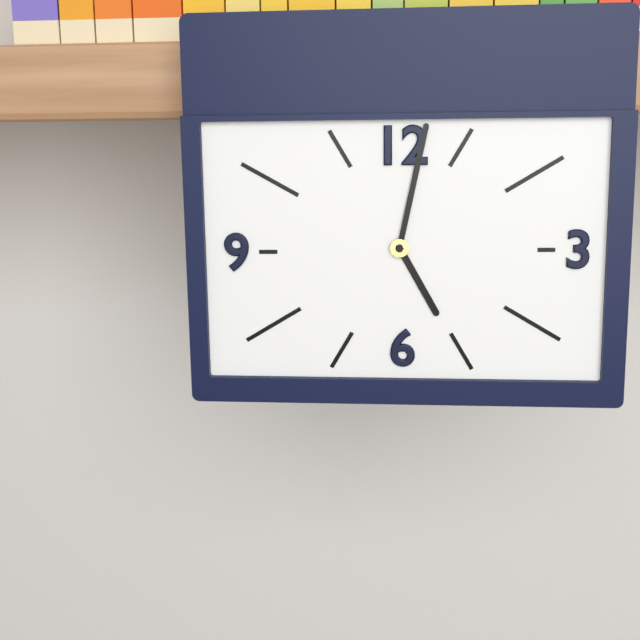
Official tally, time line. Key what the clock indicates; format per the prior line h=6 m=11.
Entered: h=5 m=2
